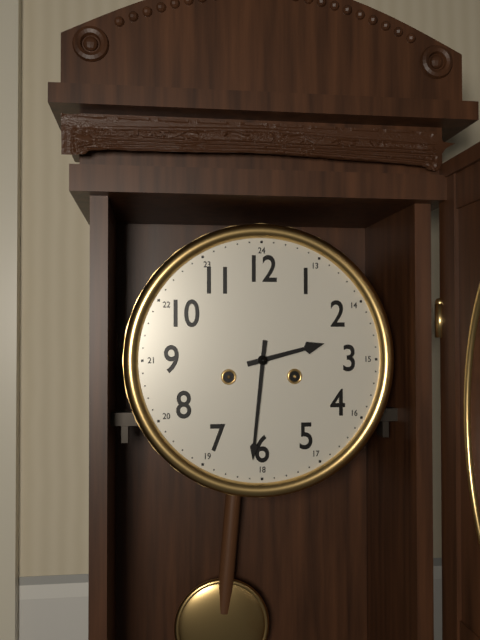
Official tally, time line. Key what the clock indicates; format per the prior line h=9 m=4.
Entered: h=2 m=31
